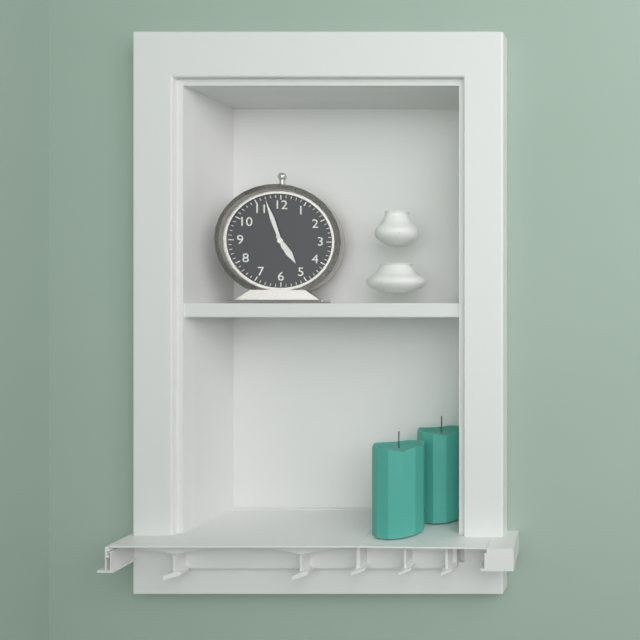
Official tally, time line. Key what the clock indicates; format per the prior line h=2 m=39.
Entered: h=4 m=57
